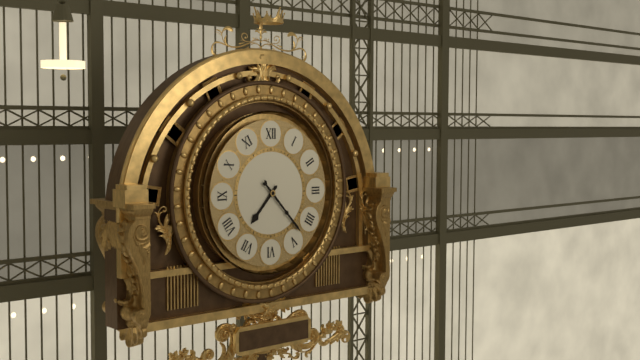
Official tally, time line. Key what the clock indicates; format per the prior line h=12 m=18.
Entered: h=7 m=23
